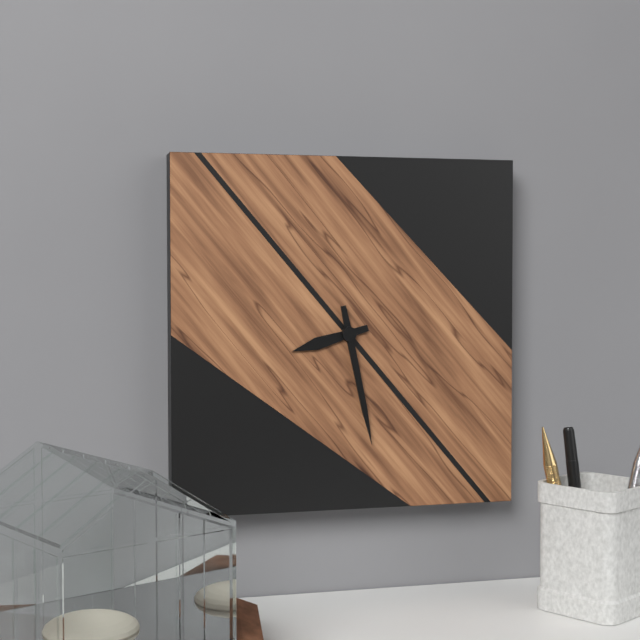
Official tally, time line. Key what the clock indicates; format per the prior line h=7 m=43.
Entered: h=8 m=28
